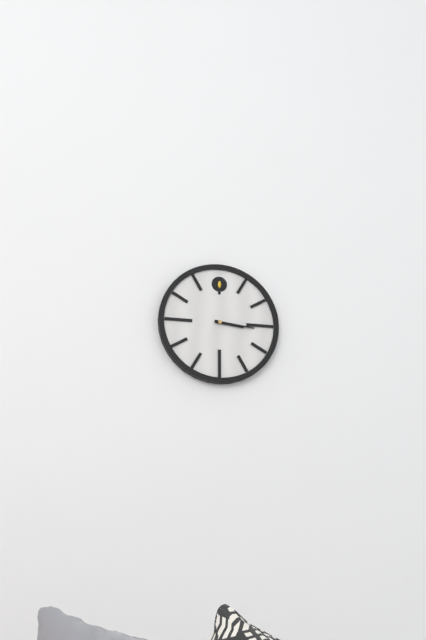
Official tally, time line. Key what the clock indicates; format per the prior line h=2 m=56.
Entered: h=3 m=16
